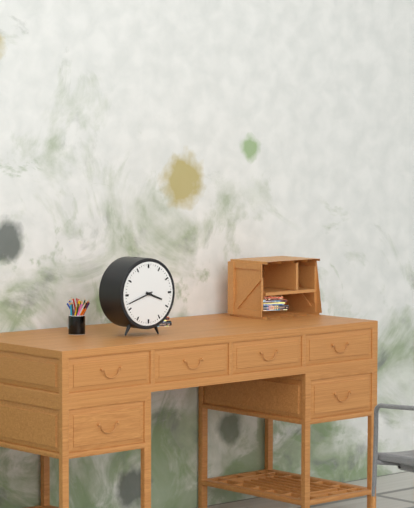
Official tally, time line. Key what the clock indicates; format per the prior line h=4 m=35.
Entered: h=3 m=42
